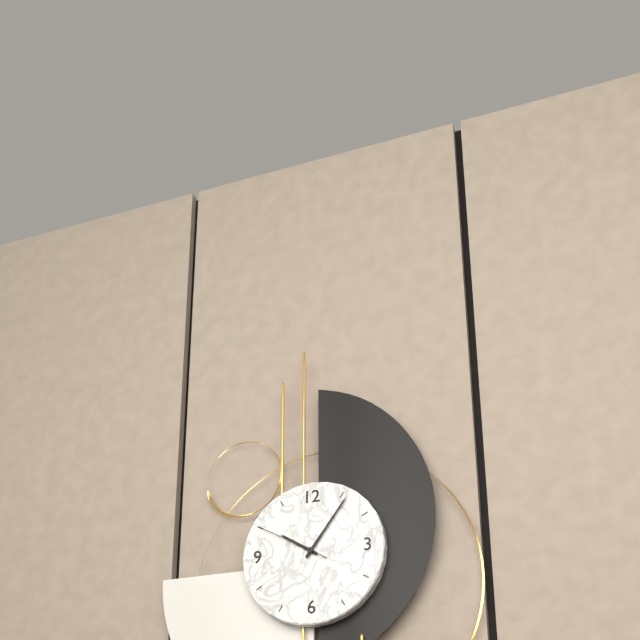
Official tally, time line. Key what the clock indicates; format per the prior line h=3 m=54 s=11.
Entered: h=10 m=6 s=50
